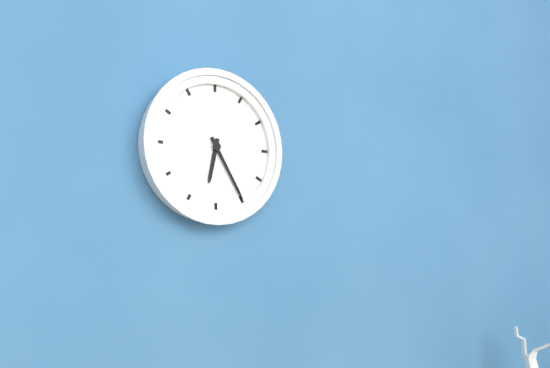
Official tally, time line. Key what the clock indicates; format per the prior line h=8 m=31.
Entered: h=6 m=25
